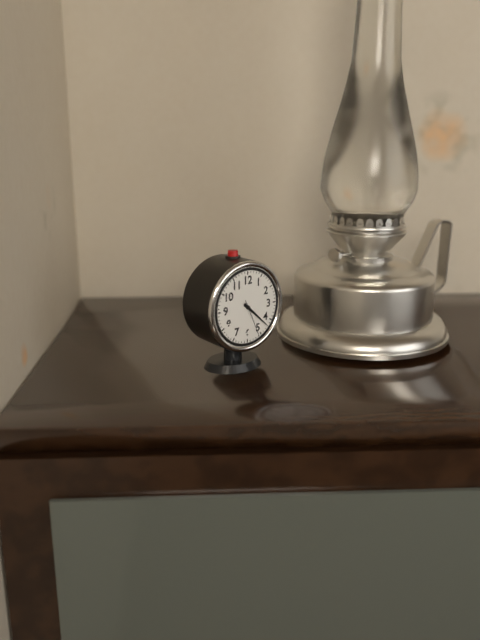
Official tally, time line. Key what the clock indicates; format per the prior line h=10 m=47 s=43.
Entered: h=4 m=22 s=26
